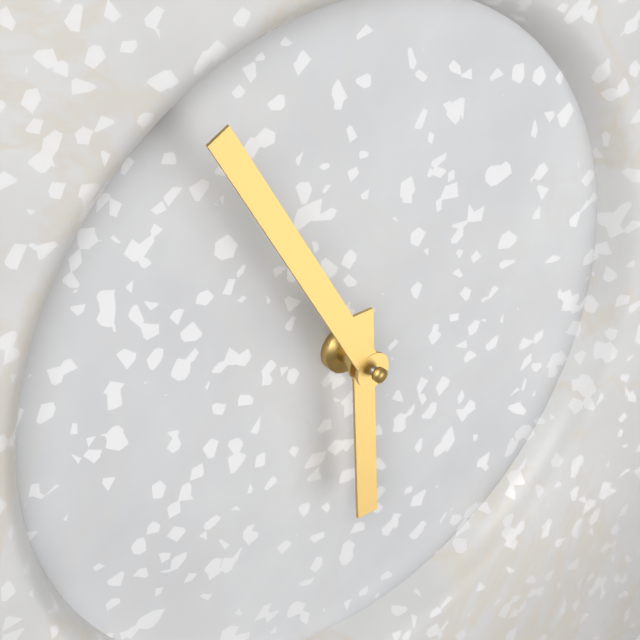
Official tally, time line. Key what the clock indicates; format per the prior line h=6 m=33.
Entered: h=5 m=55
